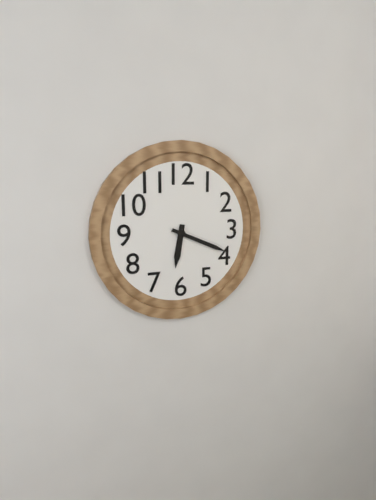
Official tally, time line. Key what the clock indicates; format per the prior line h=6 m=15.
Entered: h=6 m=19
